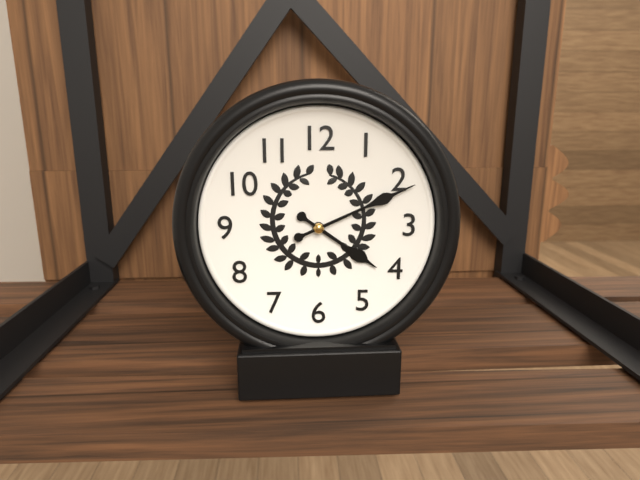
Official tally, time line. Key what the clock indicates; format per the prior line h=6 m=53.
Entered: h=4 m=11
